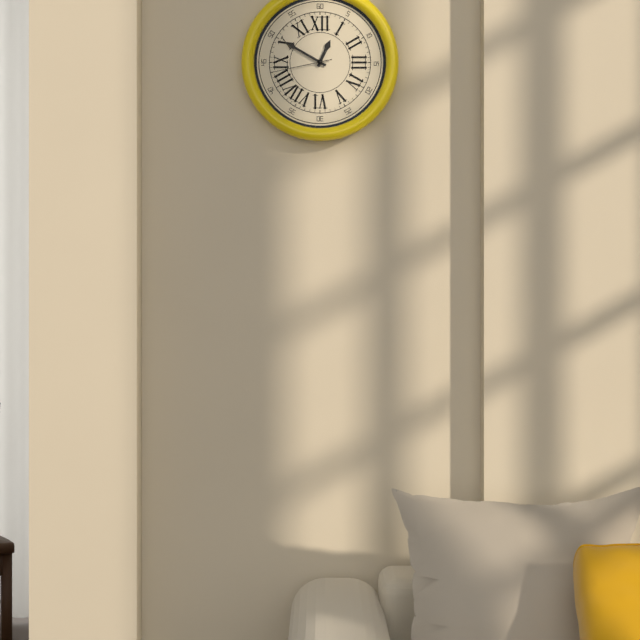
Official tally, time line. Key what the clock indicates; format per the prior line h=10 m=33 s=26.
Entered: h=12 m=50 s=43
